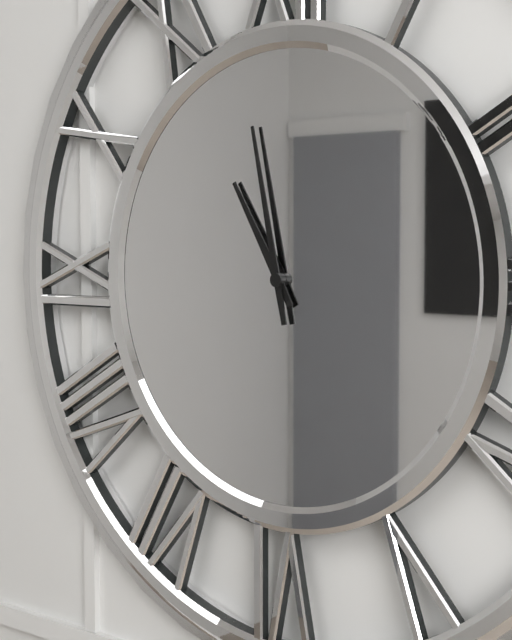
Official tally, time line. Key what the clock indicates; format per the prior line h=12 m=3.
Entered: h=10 m=58
